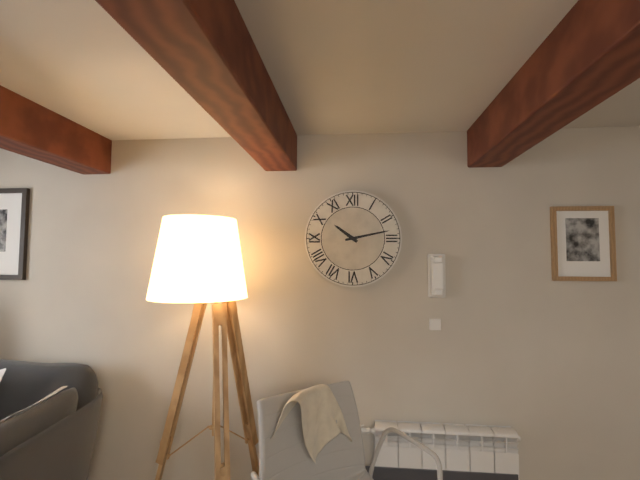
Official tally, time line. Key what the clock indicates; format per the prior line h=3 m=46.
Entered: h=10 m=13
